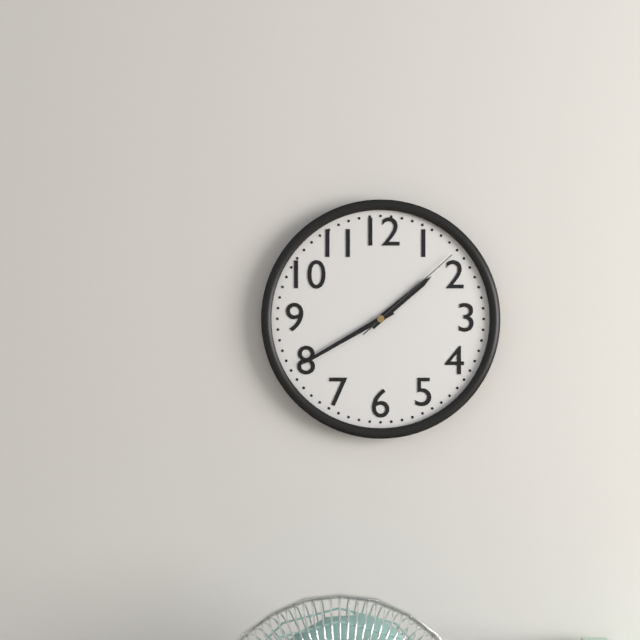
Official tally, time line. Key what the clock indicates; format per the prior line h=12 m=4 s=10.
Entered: h=1 m=40 s=8
